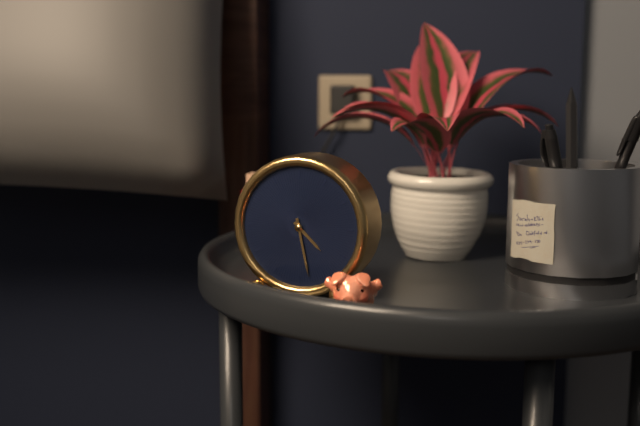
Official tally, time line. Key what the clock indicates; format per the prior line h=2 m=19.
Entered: h=4 m=28
